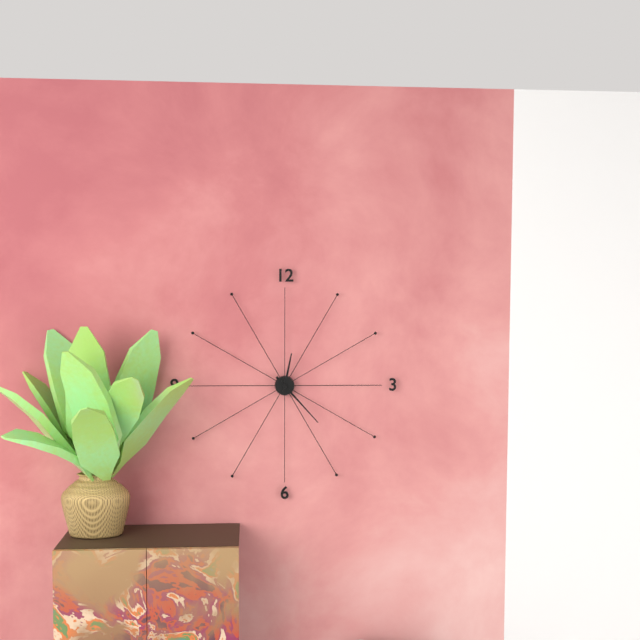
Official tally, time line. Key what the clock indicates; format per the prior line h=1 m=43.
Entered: h=12 m=23
